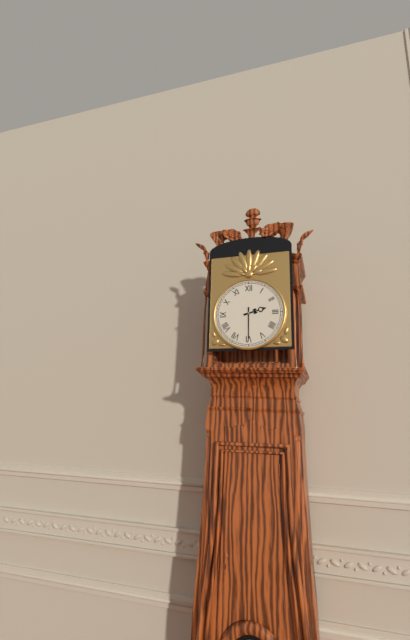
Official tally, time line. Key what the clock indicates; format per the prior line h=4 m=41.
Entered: h=2 m=30
